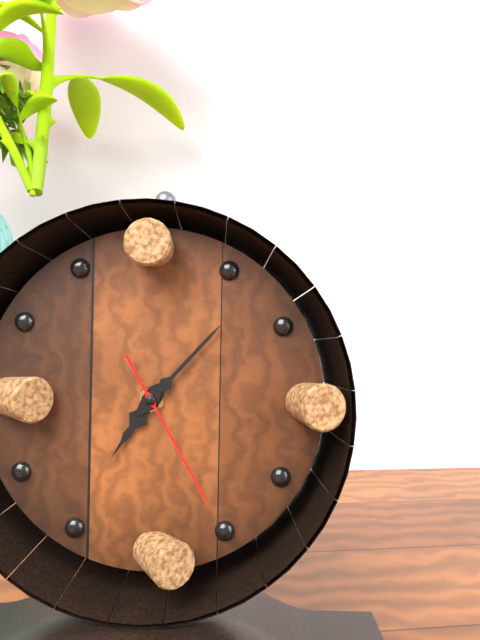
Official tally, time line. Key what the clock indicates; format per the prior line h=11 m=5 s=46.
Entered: h=7 m=7 s=25
